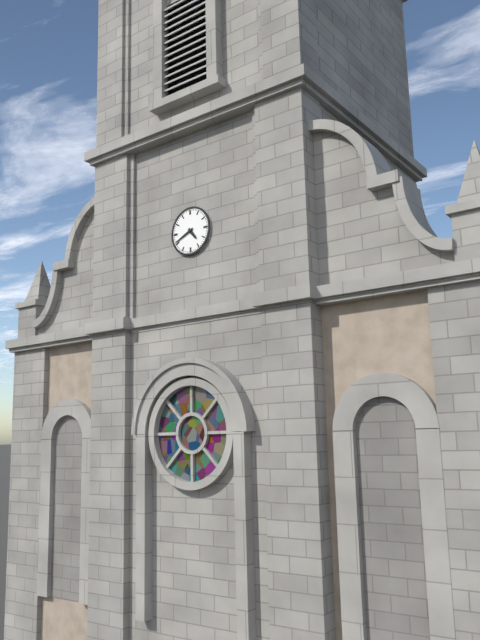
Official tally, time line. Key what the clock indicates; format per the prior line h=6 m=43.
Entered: h=4 m=41
